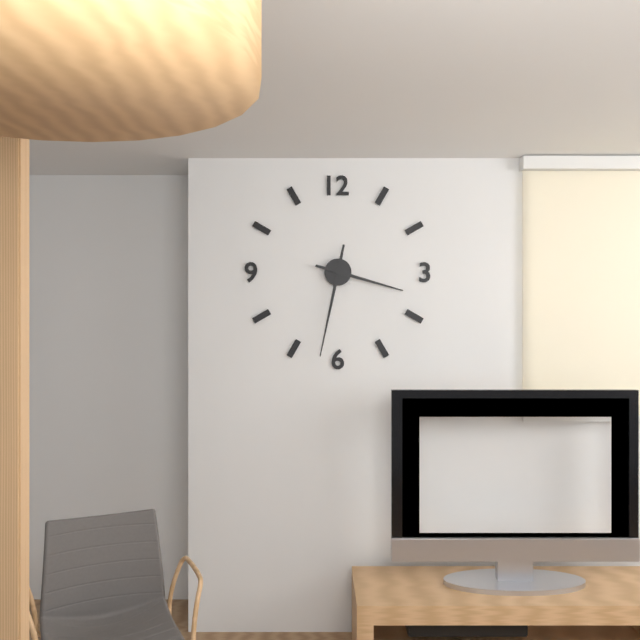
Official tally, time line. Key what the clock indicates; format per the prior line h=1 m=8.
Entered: h=3 m=32
